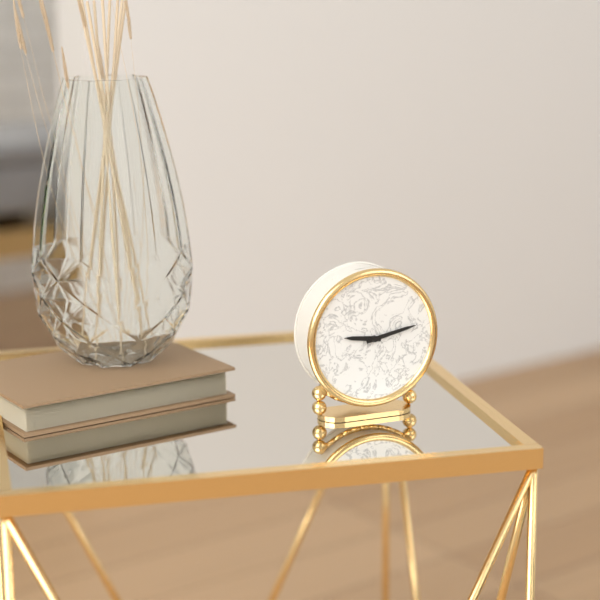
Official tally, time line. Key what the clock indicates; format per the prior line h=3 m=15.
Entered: h=9 m=13
